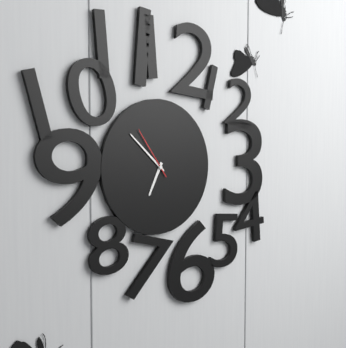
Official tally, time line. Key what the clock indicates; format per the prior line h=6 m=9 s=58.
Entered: h=6 m=52 s=54
